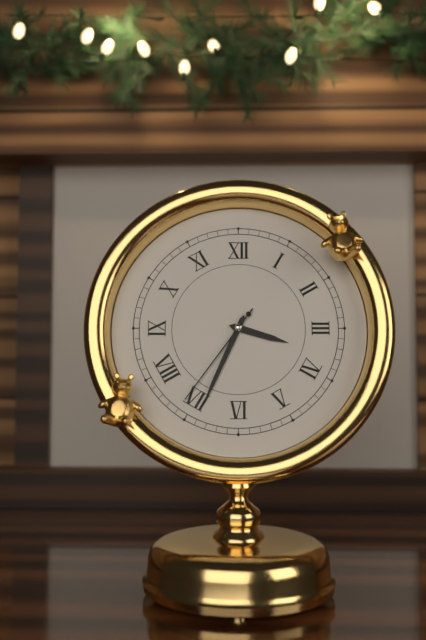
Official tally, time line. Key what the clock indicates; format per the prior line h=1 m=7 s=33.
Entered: h=3 m=34 s=36
